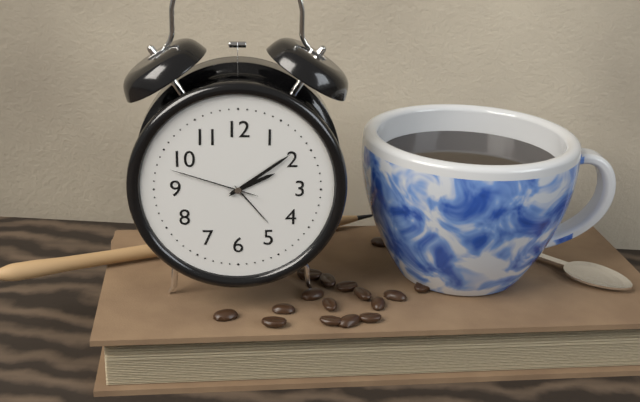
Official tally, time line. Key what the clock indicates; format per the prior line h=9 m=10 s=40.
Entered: h=2 m=9 s=48
